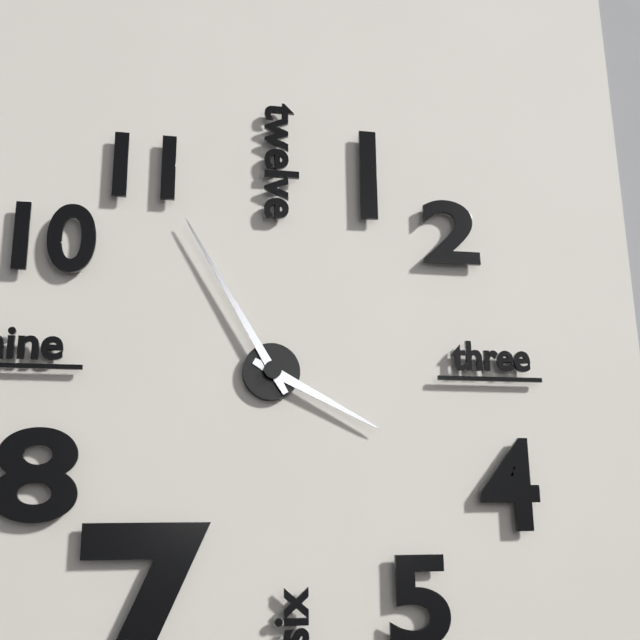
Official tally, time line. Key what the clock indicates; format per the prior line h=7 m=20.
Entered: h=3 m=55
